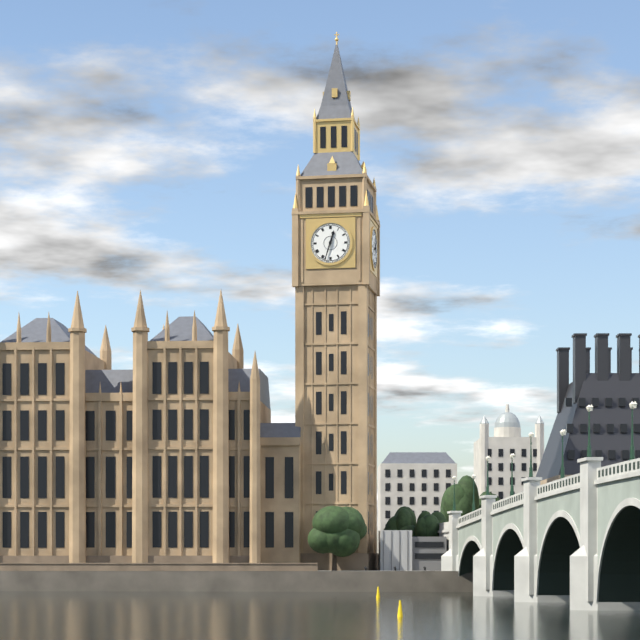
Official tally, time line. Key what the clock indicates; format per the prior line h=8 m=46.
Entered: h=12 m=33
